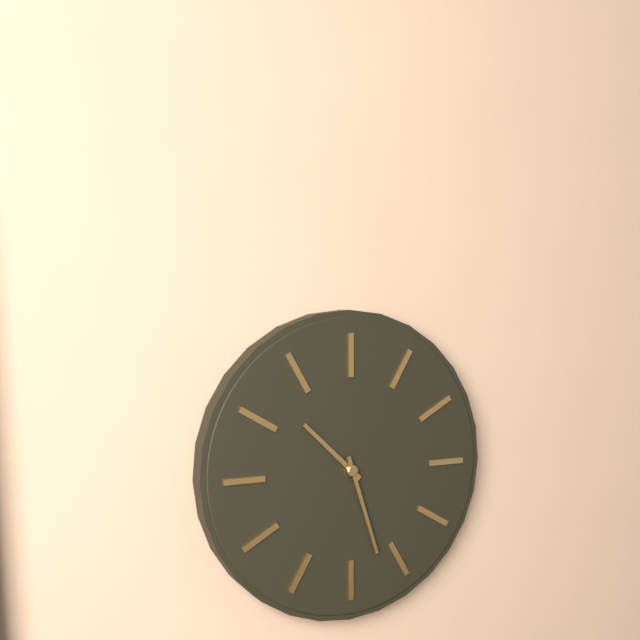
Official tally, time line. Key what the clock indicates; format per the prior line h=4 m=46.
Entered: h=10 m=27
